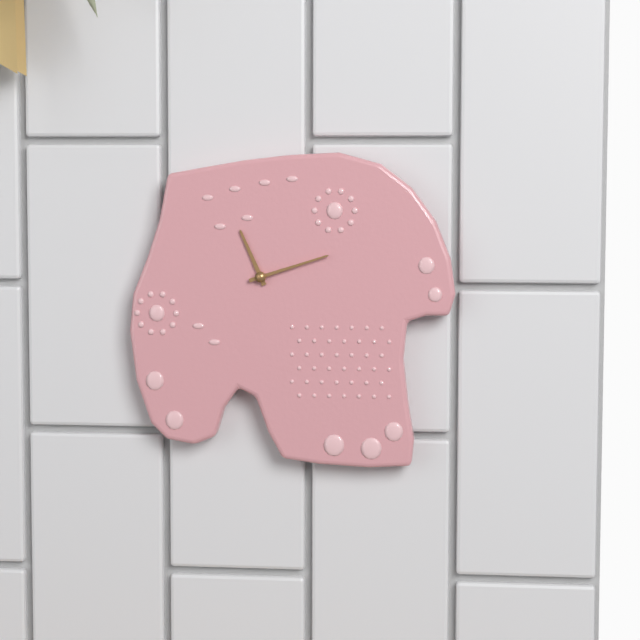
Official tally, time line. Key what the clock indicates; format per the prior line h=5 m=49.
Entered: h=11 m=12
